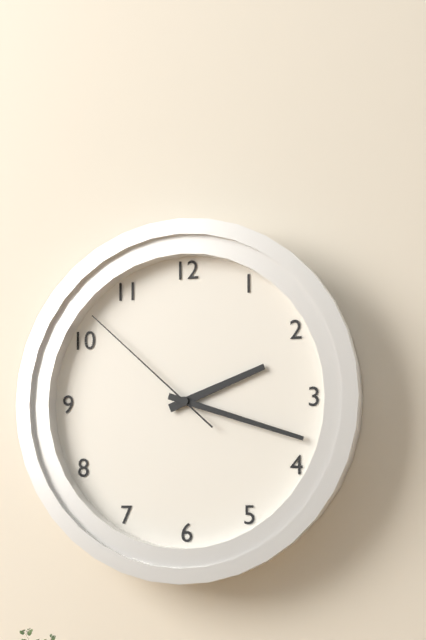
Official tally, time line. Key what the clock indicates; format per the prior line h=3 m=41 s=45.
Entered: h=2 m=18 s=52
